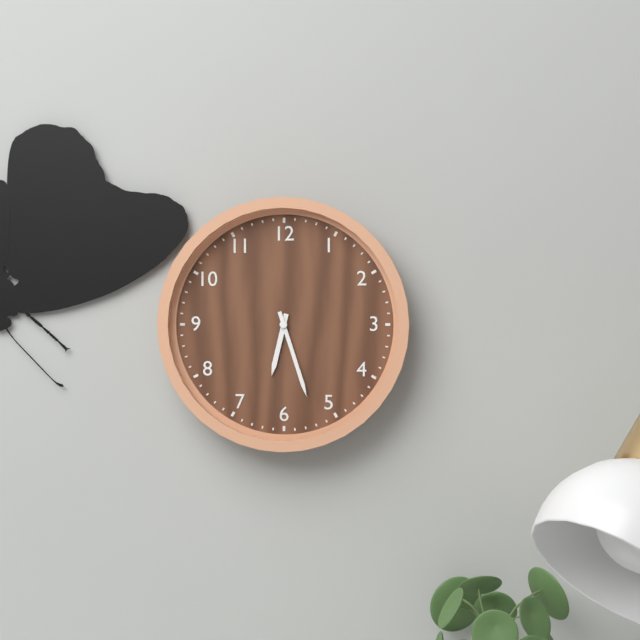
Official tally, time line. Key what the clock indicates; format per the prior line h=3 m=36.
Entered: h=6 m=27
